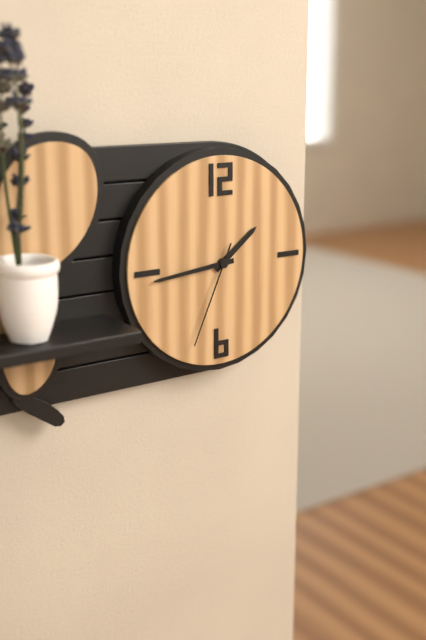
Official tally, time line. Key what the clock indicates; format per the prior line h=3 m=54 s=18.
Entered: h=1 m=44 s=34
